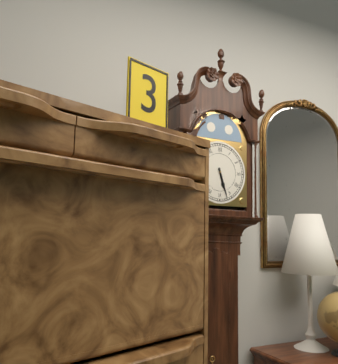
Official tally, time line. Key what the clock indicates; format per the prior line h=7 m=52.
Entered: h=5 m=27
